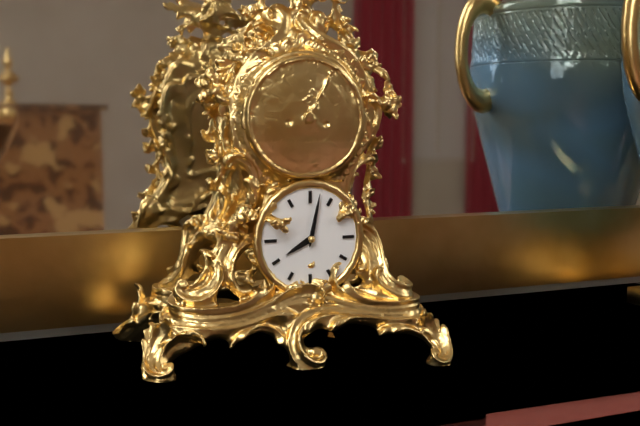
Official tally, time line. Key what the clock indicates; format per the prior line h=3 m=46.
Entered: h=8 m=2
